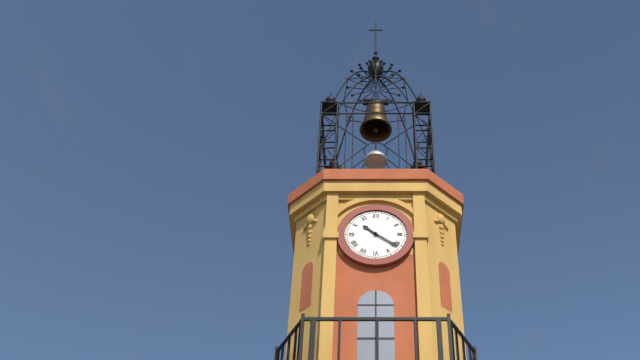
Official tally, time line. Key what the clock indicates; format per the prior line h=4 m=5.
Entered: h=10 m=21
